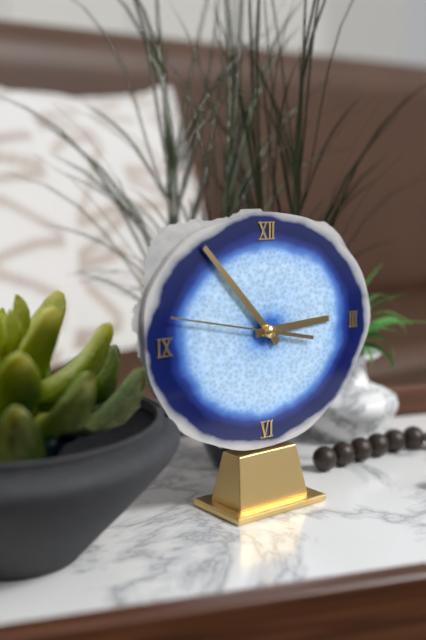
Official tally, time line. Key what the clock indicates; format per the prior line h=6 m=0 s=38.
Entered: h=2 m=53 s=47
